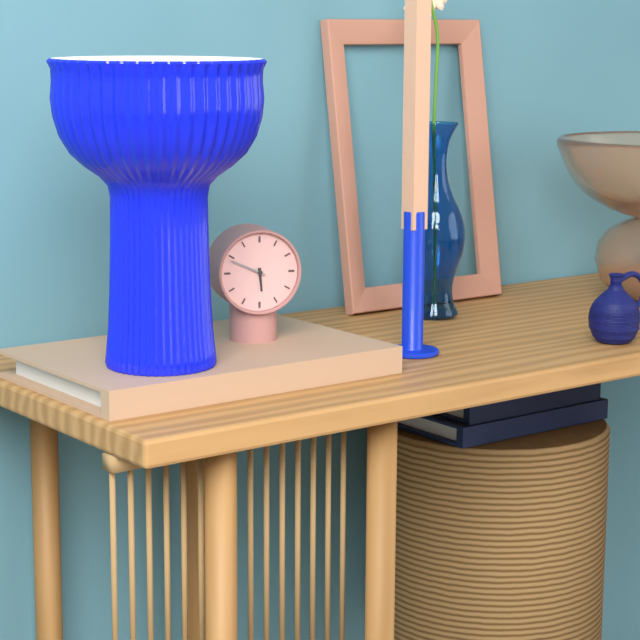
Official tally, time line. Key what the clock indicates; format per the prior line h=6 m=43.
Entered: h=5 m=49
